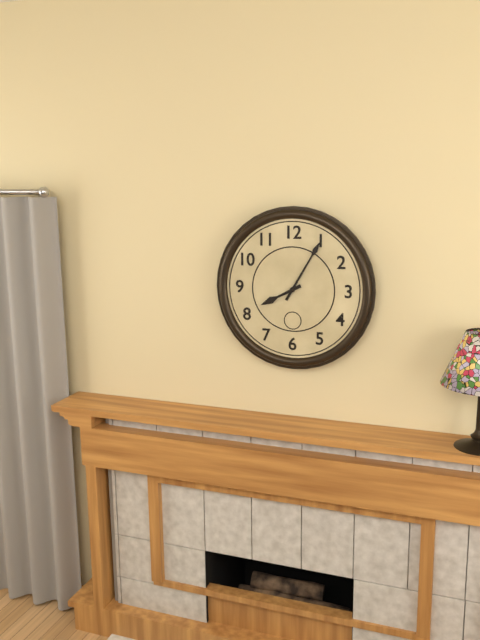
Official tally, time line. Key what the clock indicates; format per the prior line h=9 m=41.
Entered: h=8 m=5
